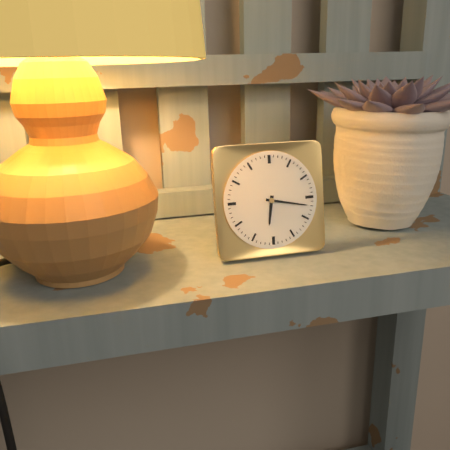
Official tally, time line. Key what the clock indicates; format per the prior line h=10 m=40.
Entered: h=6 m=17
